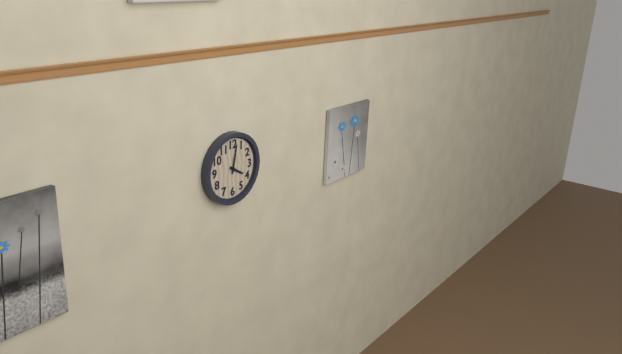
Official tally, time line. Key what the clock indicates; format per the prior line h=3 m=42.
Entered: h=4 m=2
